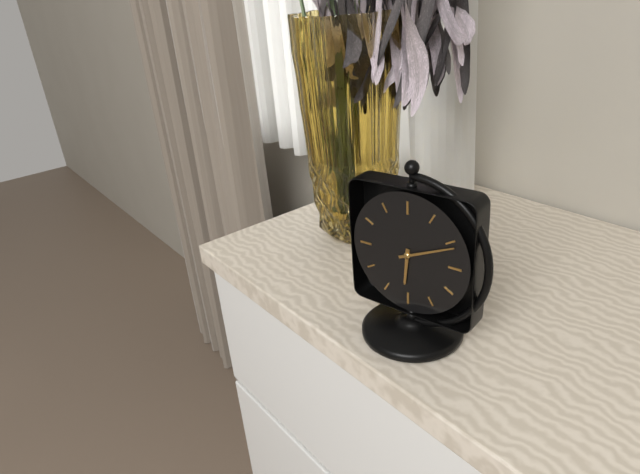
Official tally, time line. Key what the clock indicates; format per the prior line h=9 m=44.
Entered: h=6 m=11
